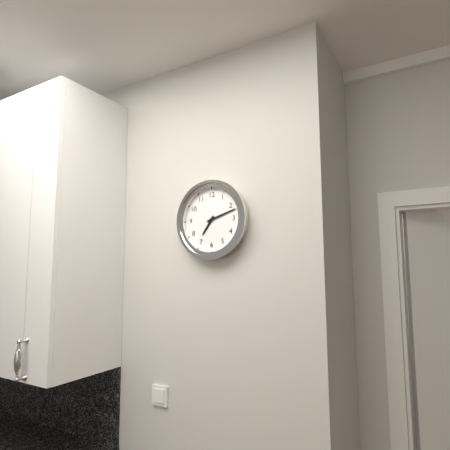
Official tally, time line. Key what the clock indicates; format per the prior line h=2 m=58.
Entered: h=7 m=12
